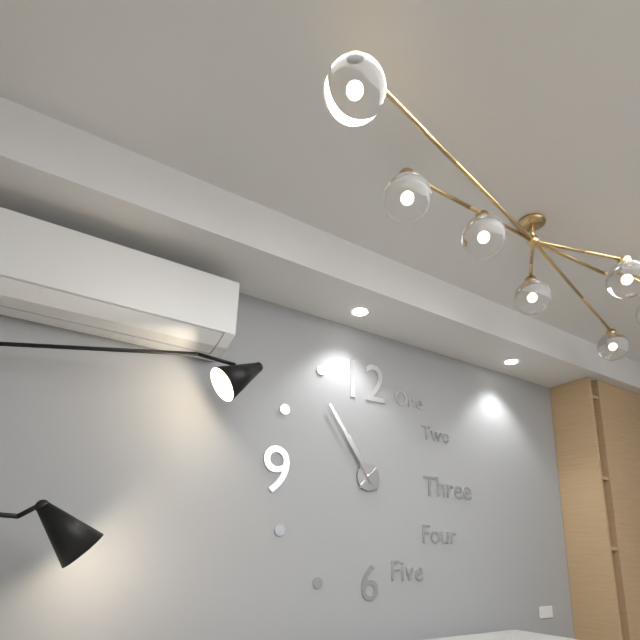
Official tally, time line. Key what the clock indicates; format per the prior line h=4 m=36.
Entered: h=10 m=54
